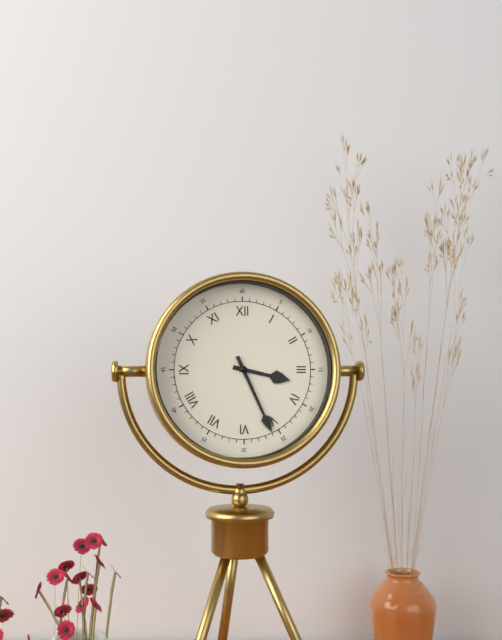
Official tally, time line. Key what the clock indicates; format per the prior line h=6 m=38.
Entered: h=3 m=26
